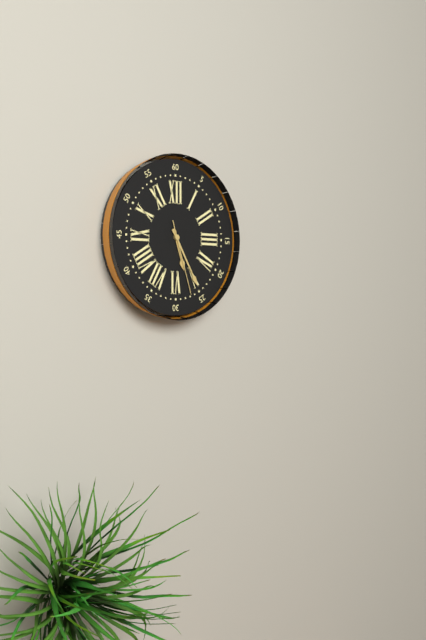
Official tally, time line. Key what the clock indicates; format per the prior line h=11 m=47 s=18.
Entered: h=5 m=25 s=27
